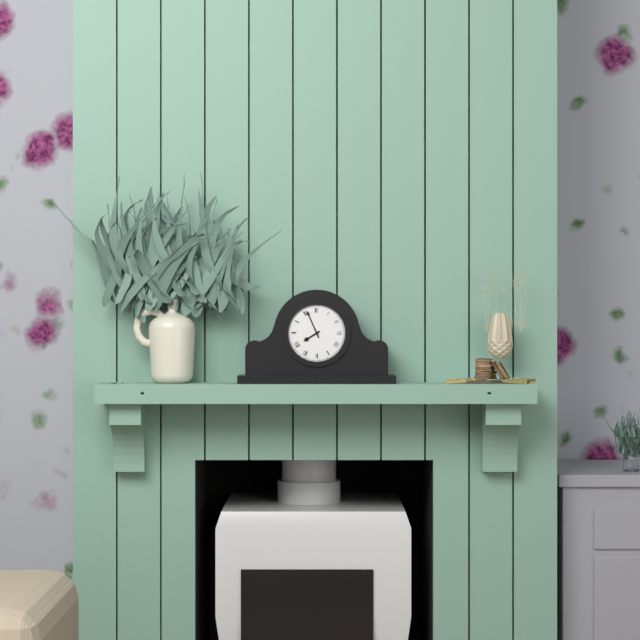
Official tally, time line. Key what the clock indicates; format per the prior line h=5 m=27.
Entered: h=7 m=56
